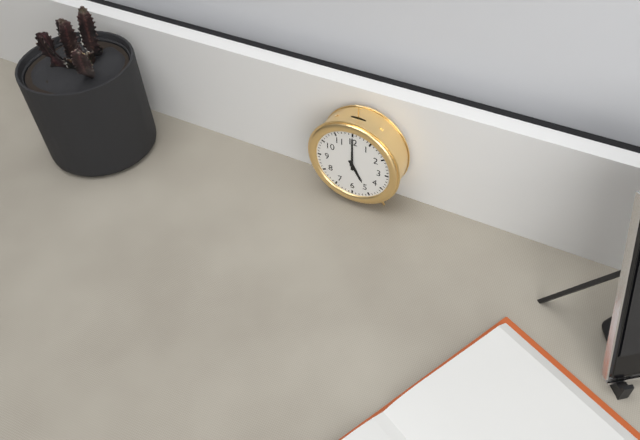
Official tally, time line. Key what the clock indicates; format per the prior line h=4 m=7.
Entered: h=5 m=0
